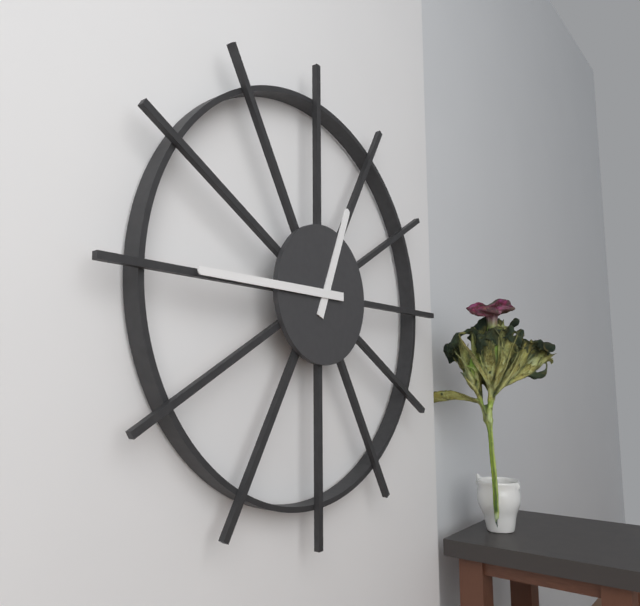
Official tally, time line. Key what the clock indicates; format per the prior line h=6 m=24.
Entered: h=12 m=45
